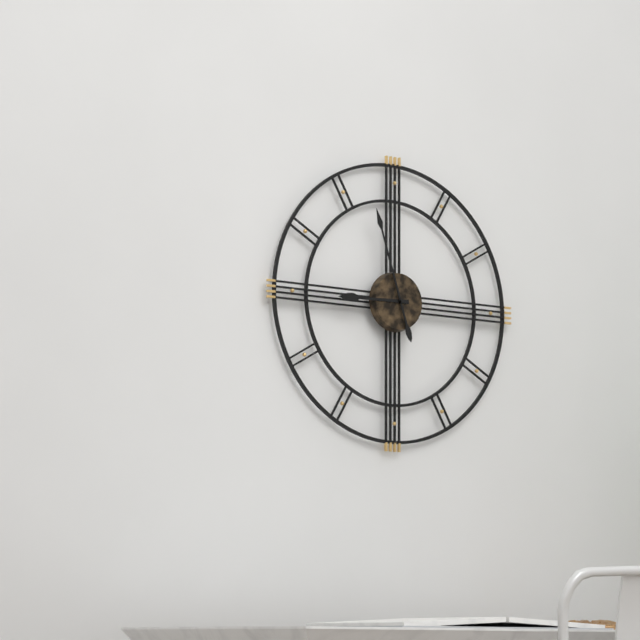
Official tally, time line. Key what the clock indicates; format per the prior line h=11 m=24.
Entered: h=8 m=57
